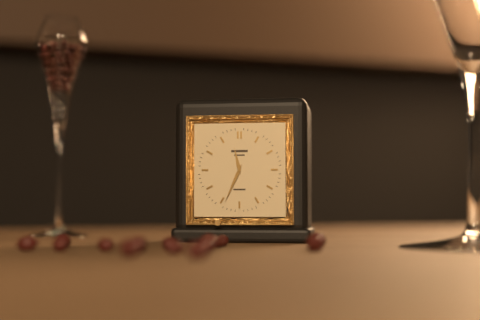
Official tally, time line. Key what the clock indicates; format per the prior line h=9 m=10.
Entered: h=11 m=34
